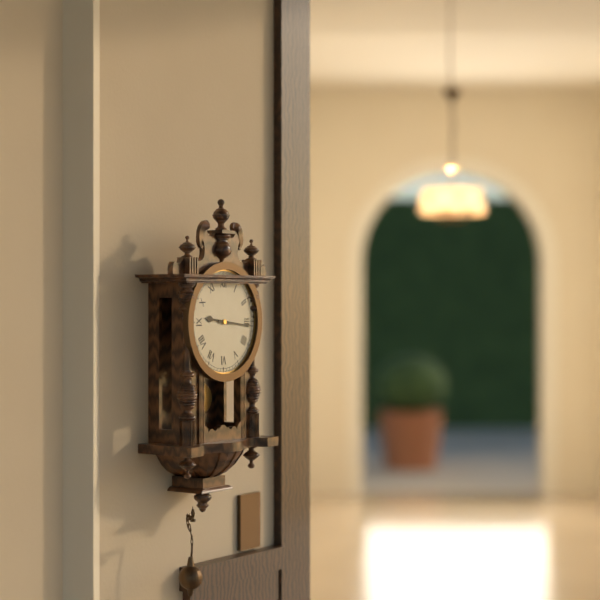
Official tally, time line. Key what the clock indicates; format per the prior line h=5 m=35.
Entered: h=9 m=16
